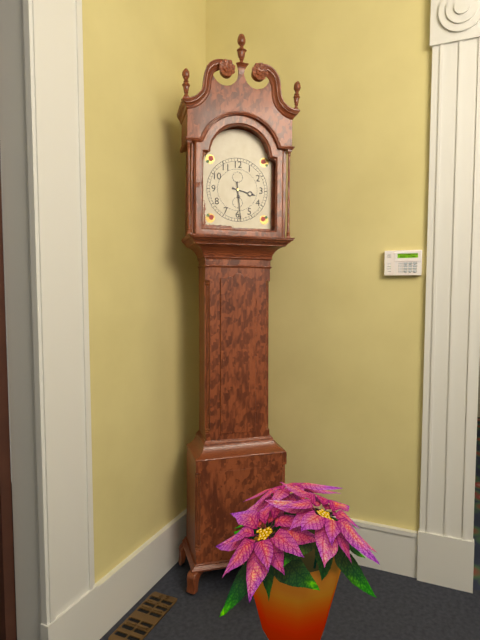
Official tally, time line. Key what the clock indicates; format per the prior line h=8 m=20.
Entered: h=3 m=29
